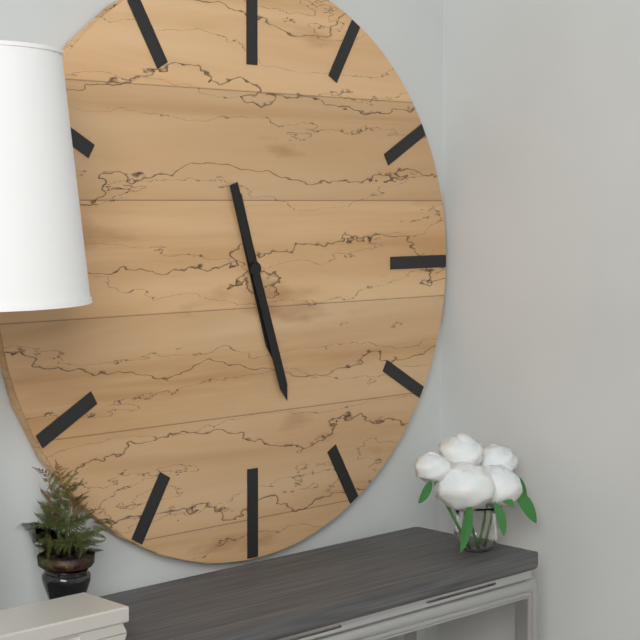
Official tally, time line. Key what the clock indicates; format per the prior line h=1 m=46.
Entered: h=5 m=27
